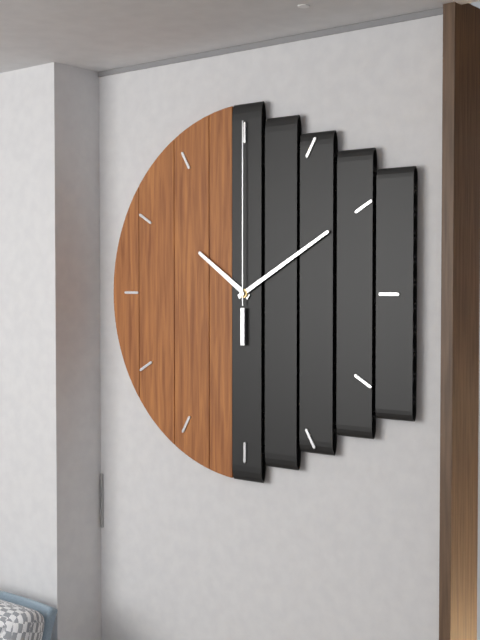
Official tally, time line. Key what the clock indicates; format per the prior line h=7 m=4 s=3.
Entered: h=10 m=10 s=0
